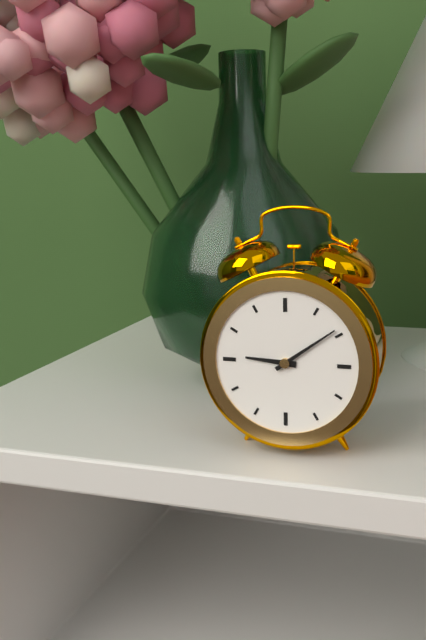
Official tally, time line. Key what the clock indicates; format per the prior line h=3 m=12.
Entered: h=9 m=9
